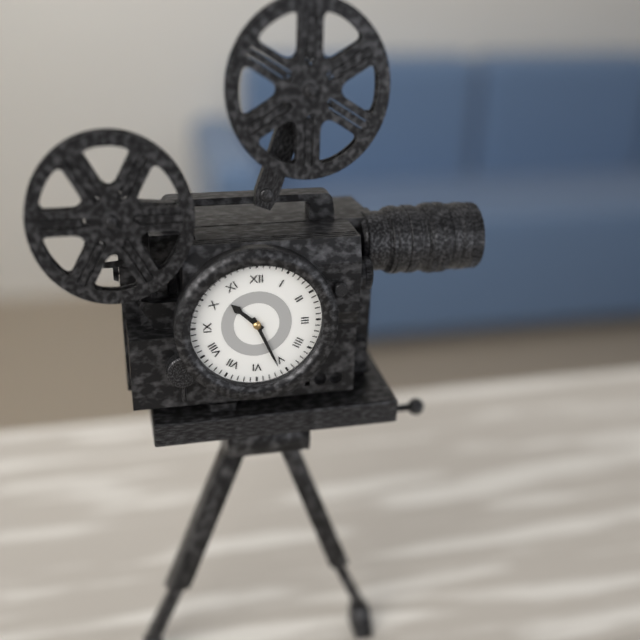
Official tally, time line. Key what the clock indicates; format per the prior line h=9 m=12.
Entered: h=10 m=26
